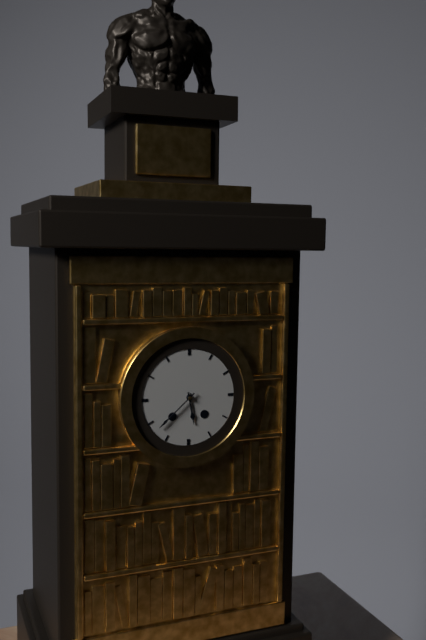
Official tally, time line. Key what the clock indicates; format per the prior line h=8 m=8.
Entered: h=5 m=38
